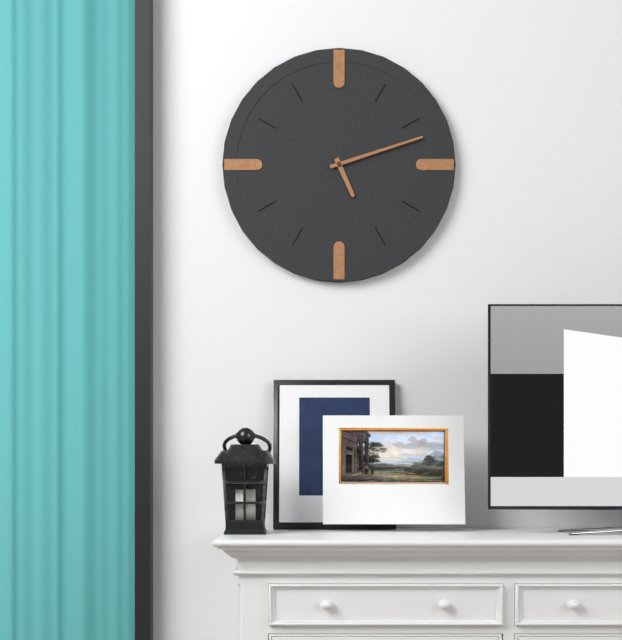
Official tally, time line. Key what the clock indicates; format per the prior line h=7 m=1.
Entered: h=5 m=12
